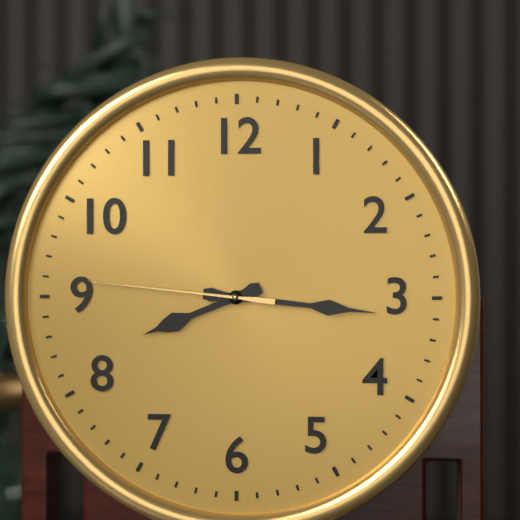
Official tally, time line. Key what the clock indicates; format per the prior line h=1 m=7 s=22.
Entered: h=8 m=16 s=46
